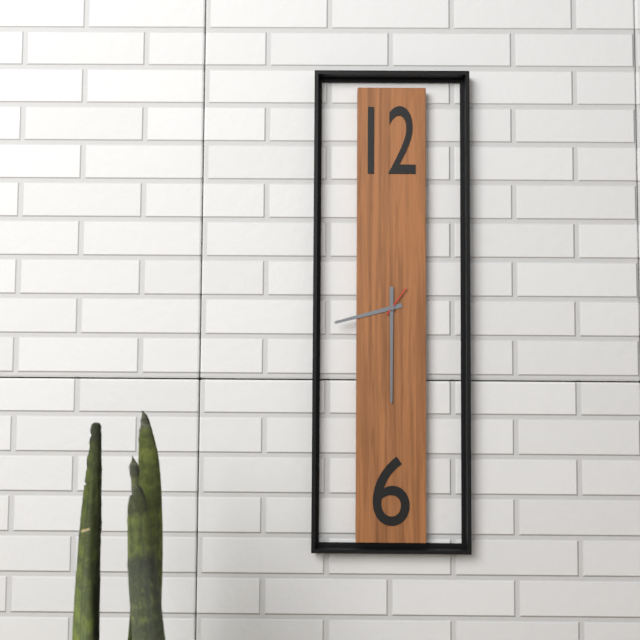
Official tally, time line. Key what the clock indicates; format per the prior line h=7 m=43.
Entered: h=8 m=30
